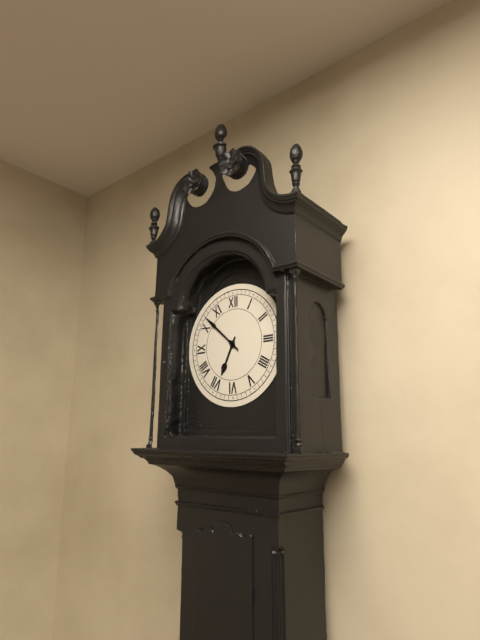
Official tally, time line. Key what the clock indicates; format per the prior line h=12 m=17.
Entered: h=6 m=52
